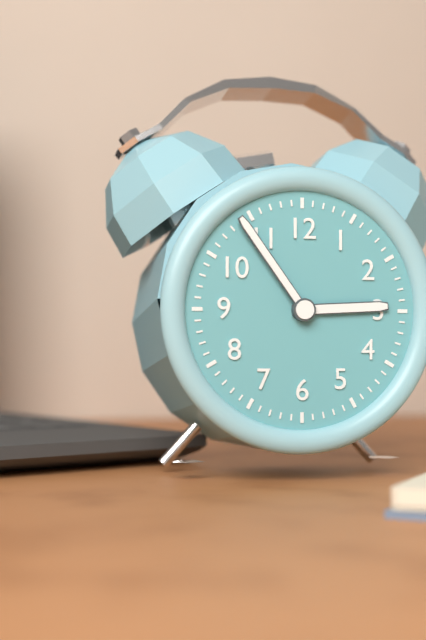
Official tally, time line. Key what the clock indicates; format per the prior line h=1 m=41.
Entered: h=2 m=54
